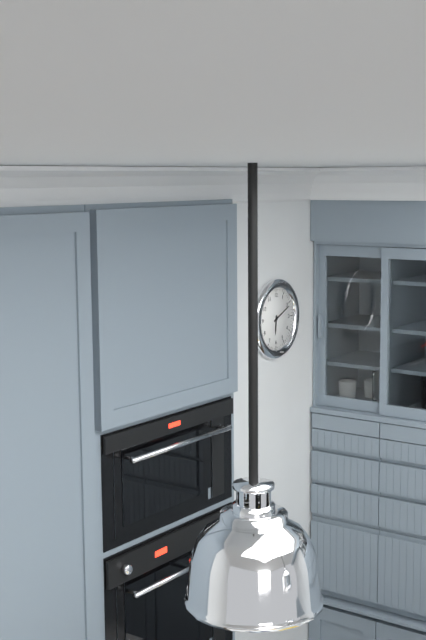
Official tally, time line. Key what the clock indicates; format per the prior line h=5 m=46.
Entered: h=6 m=11
